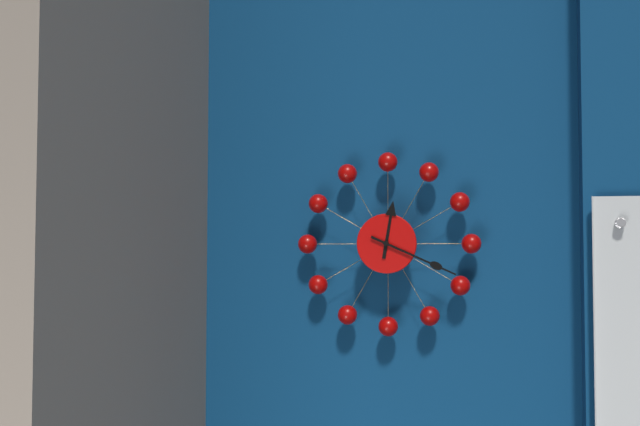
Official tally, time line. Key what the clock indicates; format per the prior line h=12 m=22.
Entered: h=12 m=19
